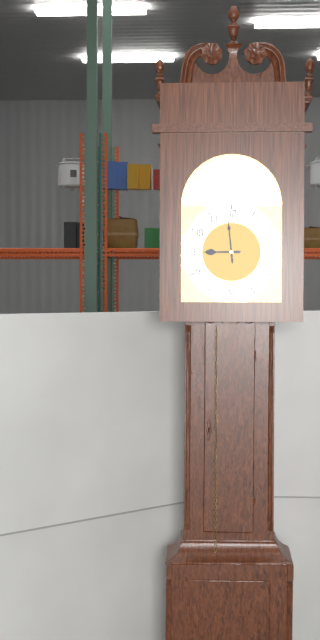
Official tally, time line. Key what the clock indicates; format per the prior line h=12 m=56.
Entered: h=8 m=59
